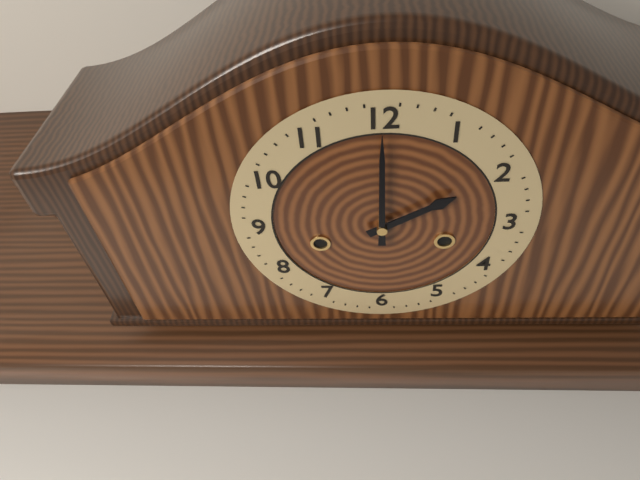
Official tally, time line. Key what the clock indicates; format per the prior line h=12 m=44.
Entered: h=2 m=0
